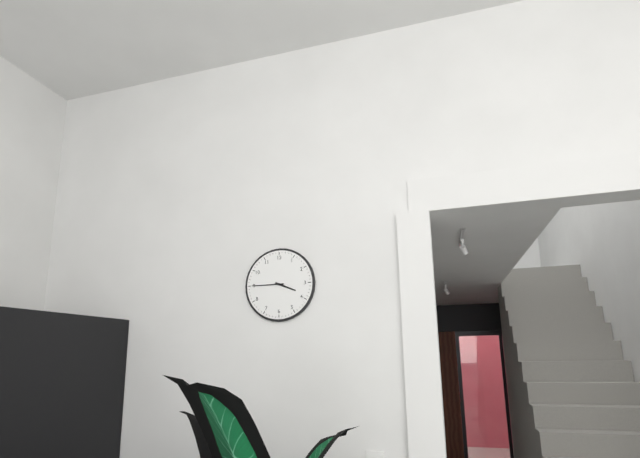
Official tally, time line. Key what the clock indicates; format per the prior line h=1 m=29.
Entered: h=3 m=45
